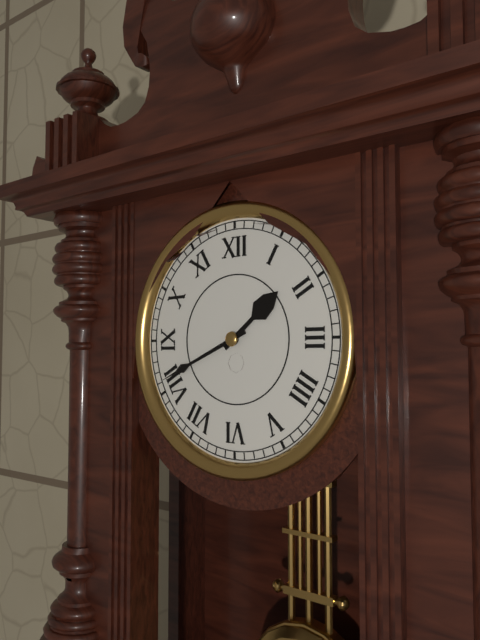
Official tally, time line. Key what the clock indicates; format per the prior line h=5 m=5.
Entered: h=1 m=41
